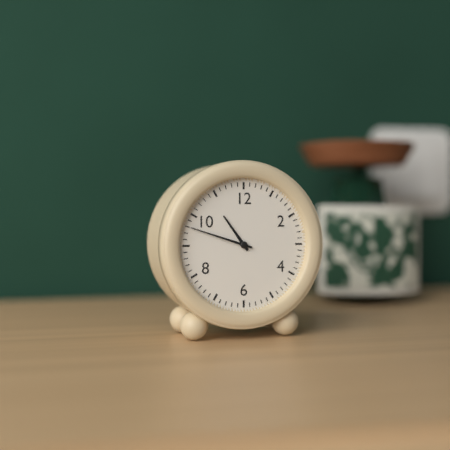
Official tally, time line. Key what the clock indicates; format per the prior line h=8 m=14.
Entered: h=10 m=48
